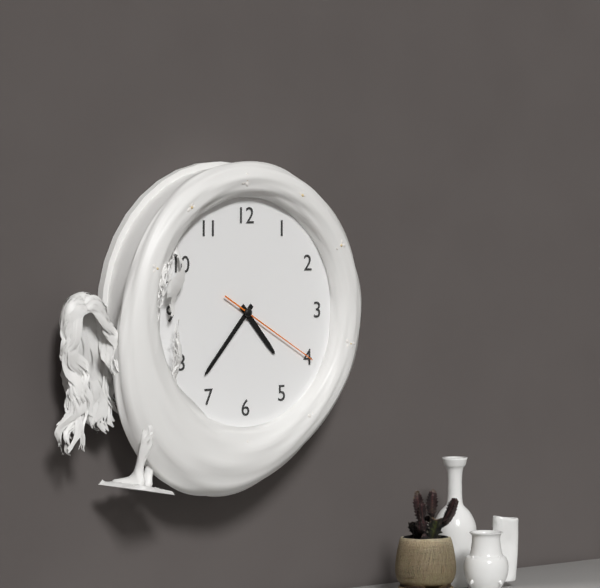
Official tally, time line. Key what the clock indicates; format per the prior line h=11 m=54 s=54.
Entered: h=4 m=37 s=20
